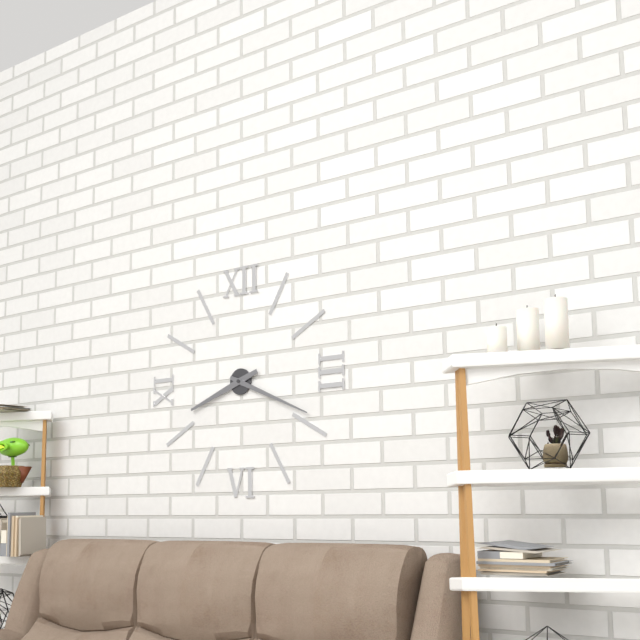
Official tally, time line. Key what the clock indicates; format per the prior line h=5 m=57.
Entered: h=8 m=19
